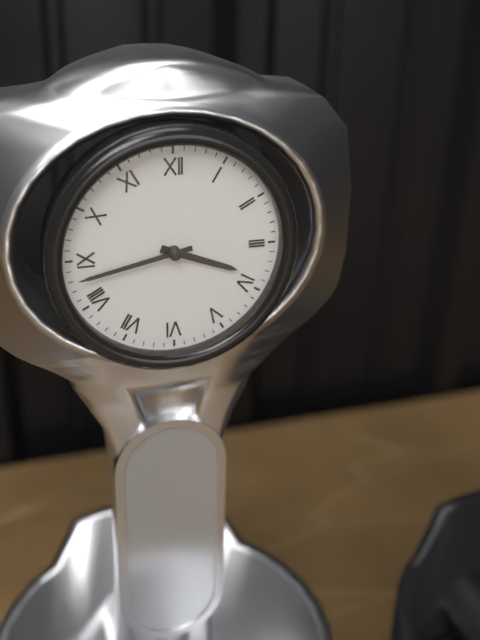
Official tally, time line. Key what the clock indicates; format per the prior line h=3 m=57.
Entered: h=3 m=43
